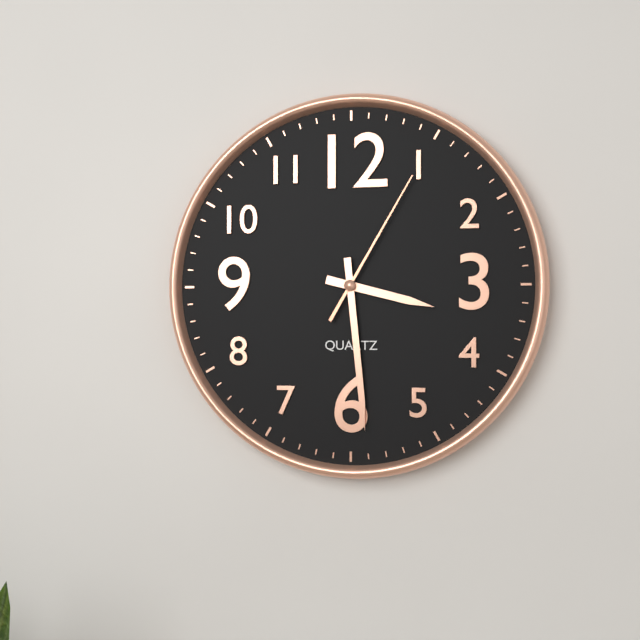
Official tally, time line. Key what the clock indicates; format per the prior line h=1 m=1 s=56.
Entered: h=3 m=29 s=5
